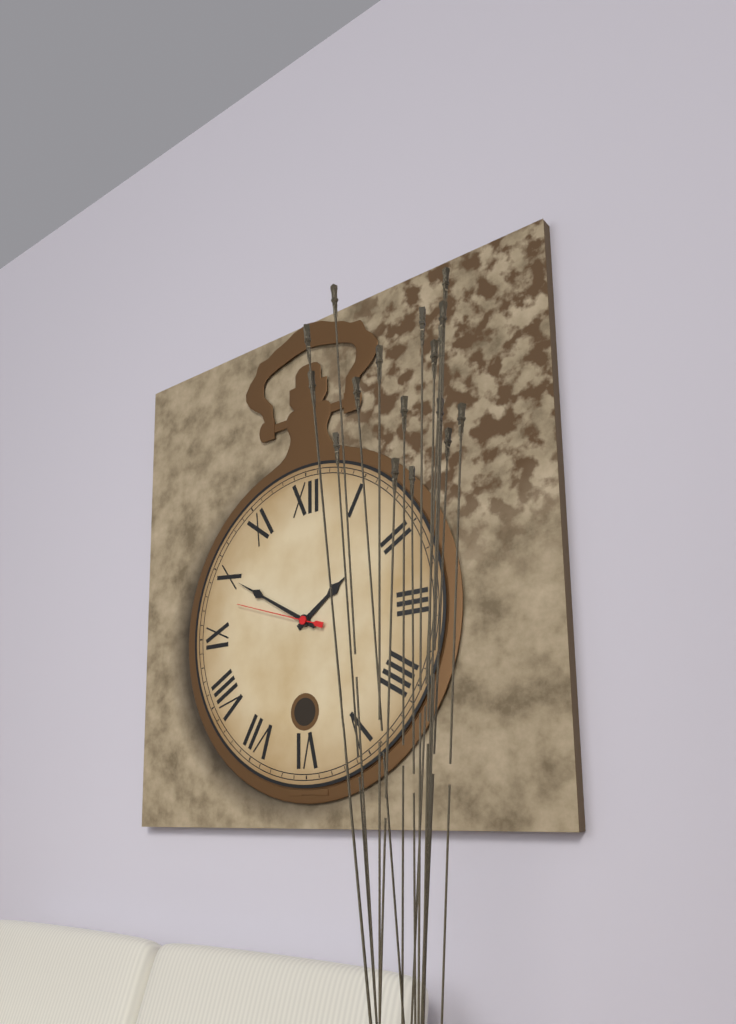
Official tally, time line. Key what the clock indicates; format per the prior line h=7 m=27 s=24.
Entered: h=1 m=50 s=48
